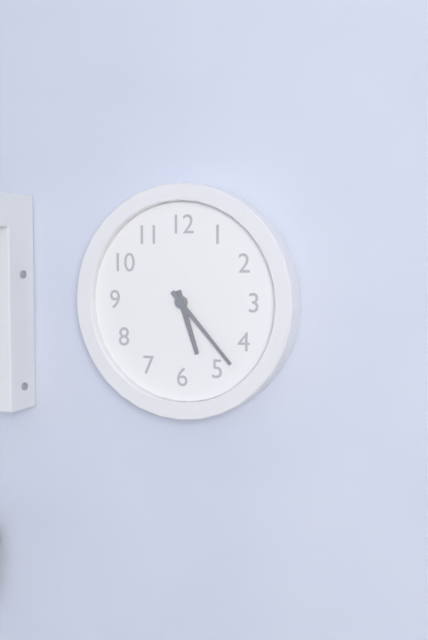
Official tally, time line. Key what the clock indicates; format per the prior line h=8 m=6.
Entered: h=5 m=23
